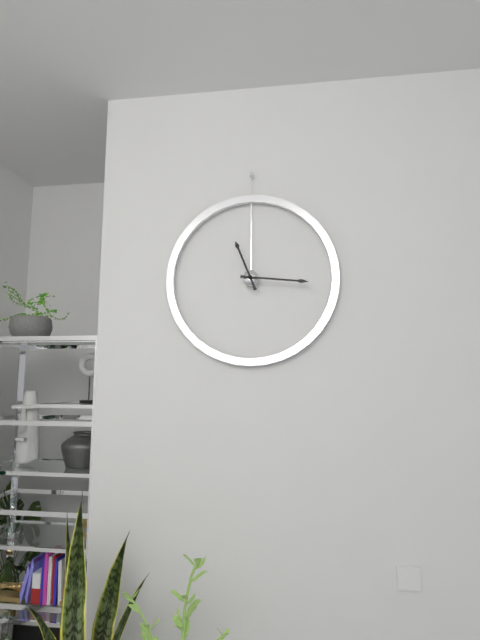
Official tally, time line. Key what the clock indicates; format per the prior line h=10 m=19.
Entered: h=11 m=16
